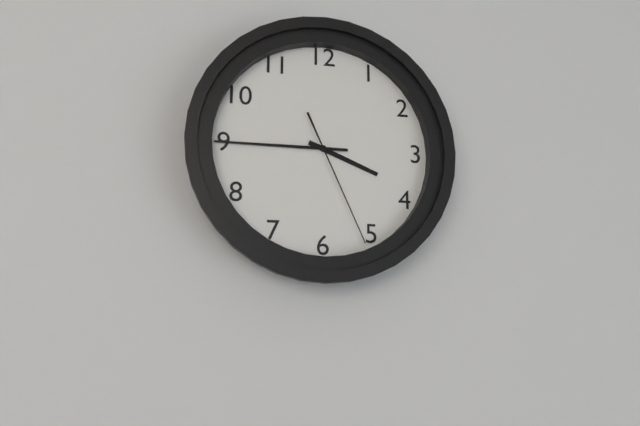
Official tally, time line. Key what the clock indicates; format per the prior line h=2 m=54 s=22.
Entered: h=3 m=45 s=26
